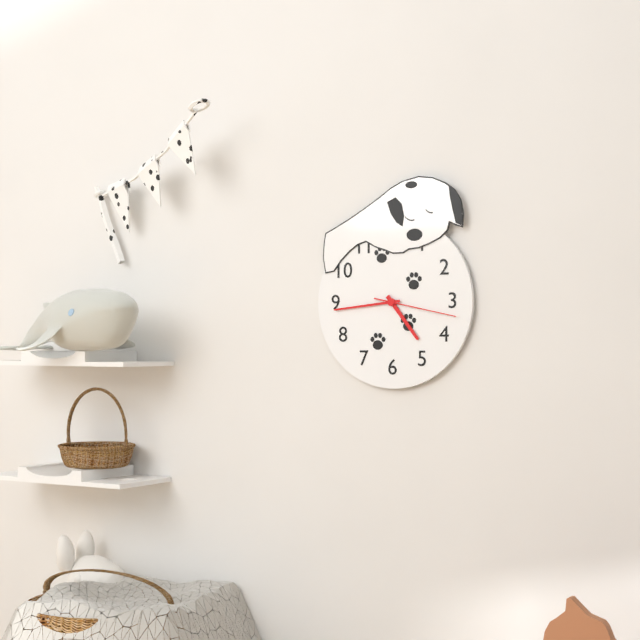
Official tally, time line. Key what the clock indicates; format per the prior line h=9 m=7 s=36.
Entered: h=4 m=44 s=17
